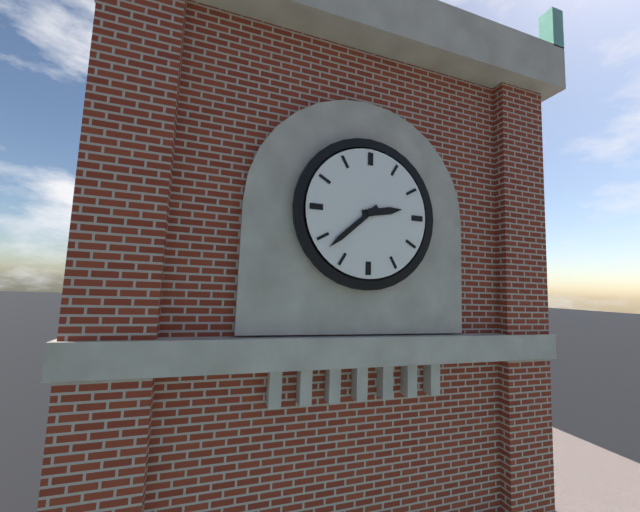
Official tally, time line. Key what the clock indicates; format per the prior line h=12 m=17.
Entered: h=2 m=38
